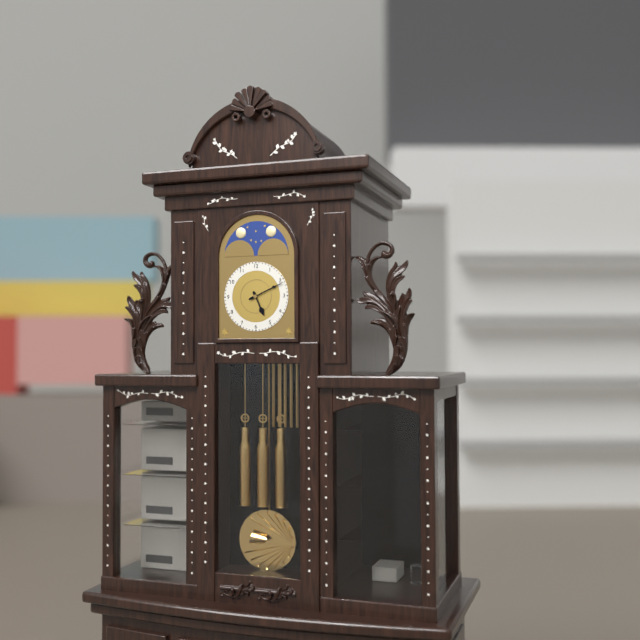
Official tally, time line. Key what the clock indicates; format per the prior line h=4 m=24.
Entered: h=5 m=11
